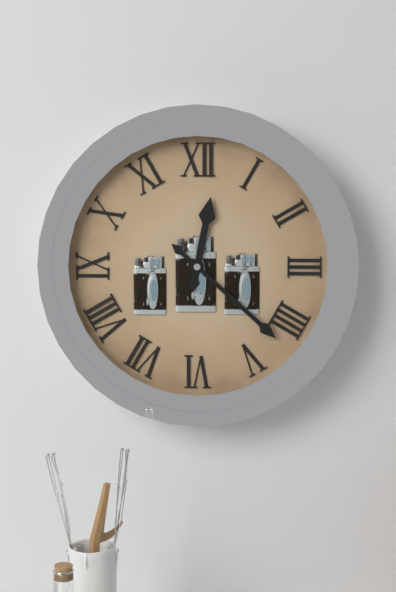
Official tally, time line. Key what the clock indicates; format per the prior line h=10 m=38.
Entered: h=12 m=22
